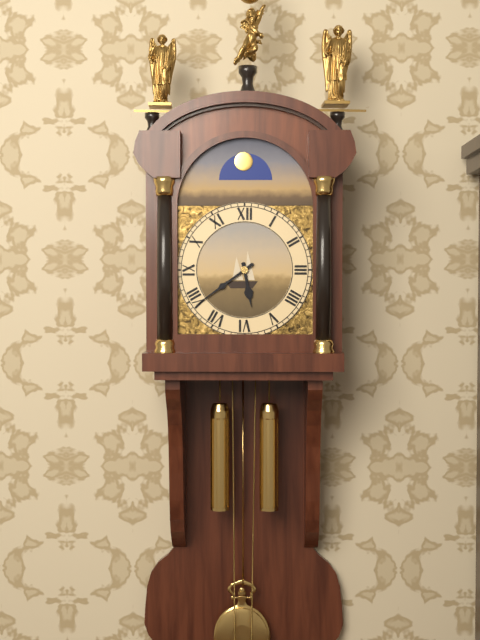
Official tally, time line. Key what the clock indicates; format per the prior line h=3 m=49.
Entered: h=5 m=39
